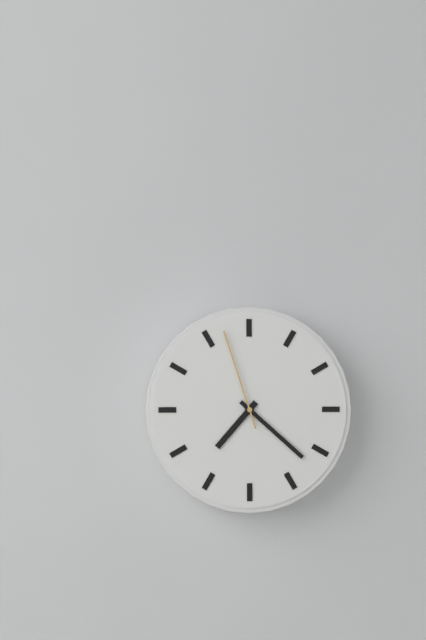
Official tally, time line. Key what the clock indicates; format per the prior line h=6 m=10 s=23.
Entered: h=7 m=22 s=57
